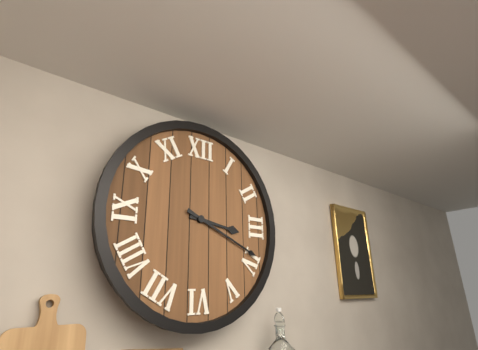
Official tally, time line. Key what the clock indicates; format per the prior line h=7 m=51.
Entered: h=3 m=19
